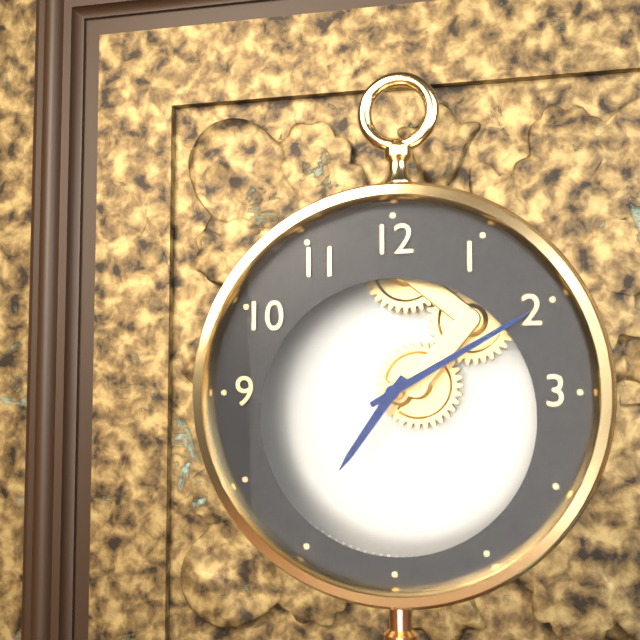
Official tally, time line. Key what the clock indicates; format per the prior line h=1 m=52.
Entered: h=7 m=10
